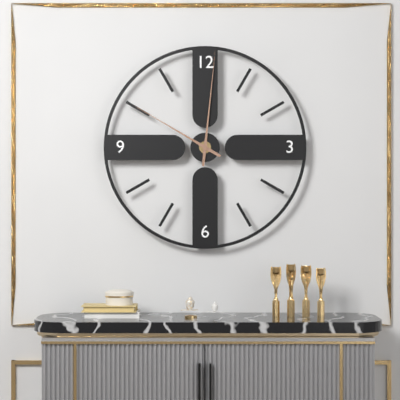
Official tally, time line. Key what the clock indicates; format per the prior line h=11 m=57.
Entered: h=10 m=1
